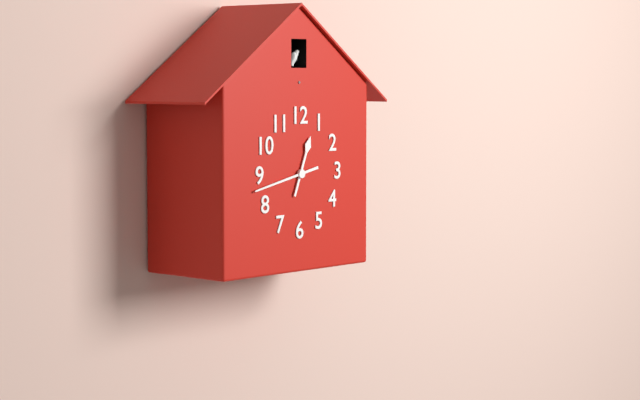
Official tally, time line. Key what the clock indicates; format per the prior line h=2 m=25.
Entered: h=12 m=43
